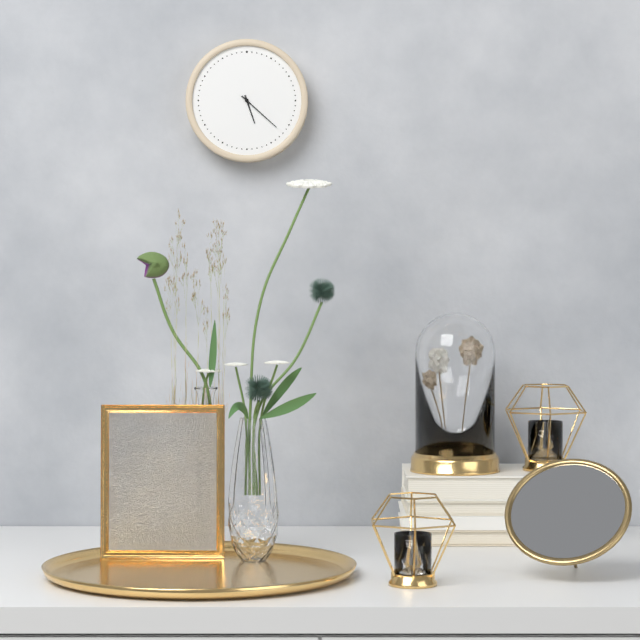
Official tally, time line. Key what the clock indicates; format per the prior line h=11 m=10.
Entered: h=5 m=22
